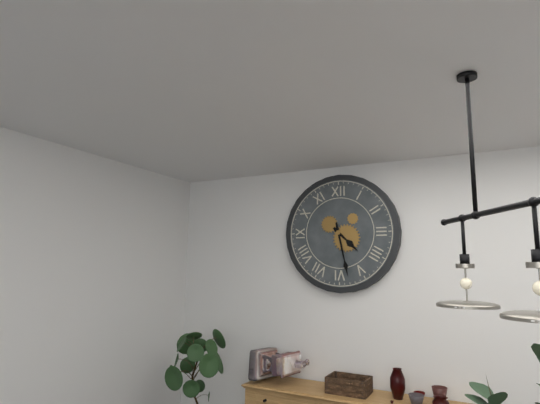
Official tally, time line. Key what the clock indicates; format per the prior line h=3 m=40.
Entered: h=4 m=28
